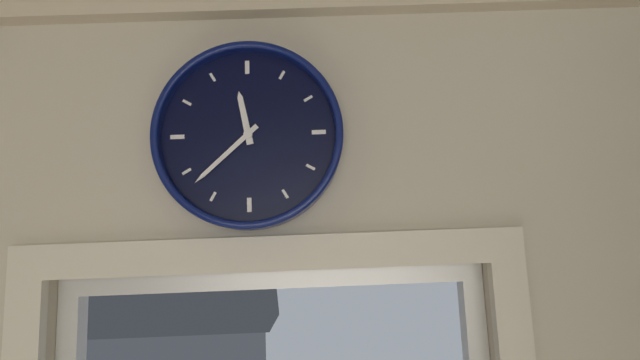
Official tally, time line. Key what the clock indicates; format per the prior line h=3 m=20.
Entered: h=11 m=38
